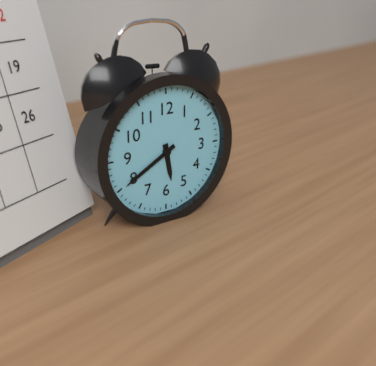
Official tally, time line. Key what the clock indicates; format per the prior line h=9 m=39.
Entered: h=5 m=40
